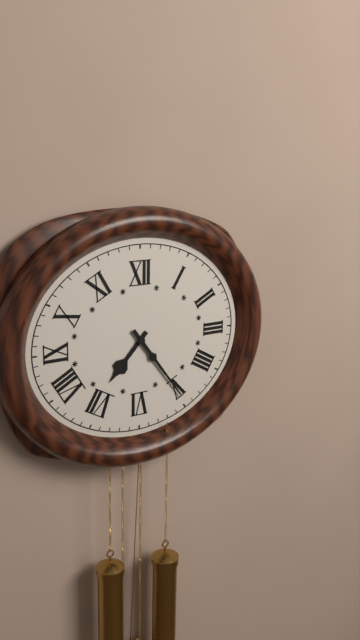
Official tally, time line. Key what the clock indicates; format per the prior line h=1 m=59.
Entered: h=7 m=24
